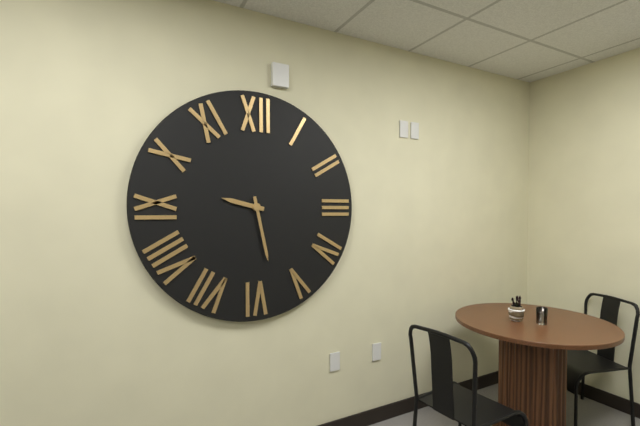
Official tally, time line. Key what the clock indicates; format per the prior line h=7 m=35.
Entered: h=9 m=28
